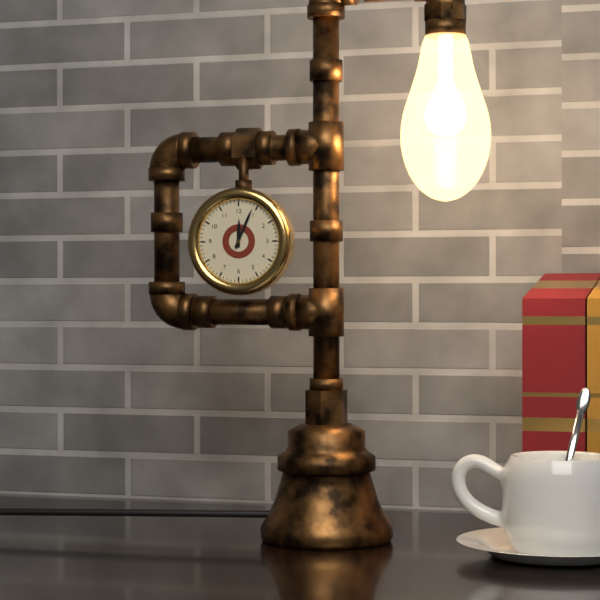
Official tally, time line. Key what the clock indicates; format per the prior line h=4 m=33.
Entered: h=12 m=4
